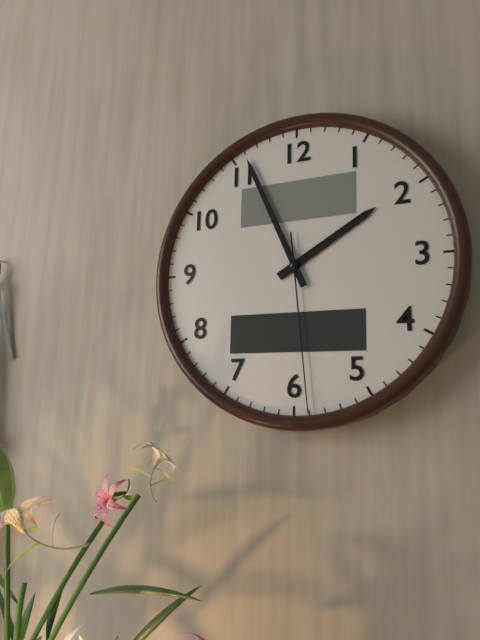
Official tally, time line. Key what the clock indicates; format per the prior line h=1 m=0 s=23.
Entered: h=1 m=56 s=29
